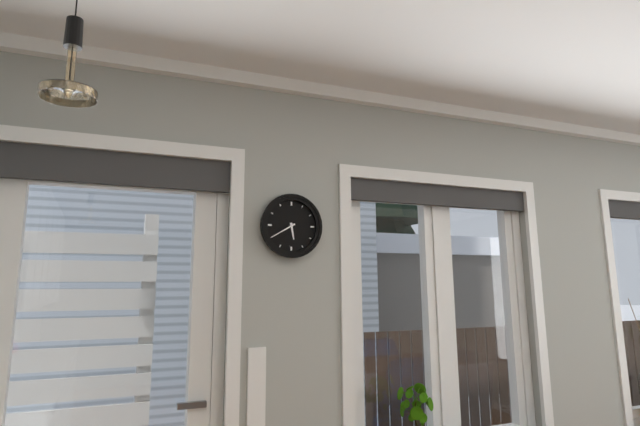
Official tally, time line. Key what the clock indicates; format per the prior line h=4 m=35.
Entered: h=5 m=40
